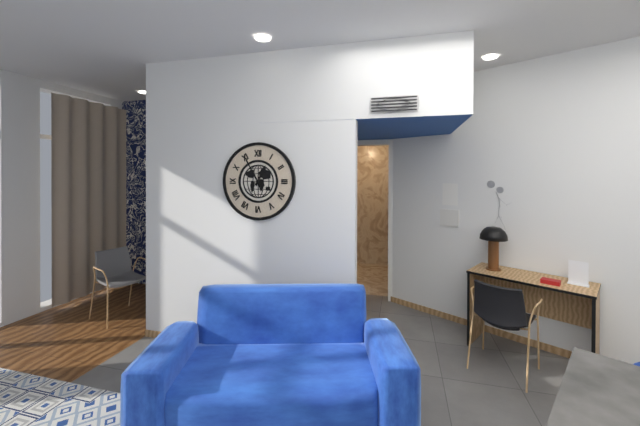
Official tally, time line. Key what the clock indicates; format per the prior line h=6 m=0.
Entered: h=12 m=55
